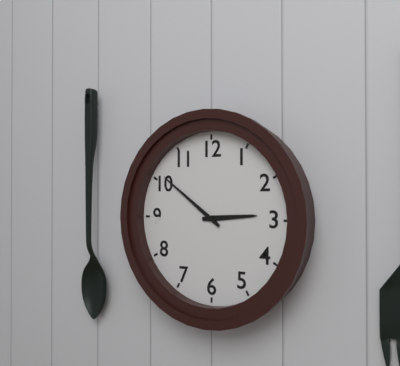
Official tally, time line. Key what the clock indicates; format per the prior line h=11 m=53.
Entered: h=2 m=51
